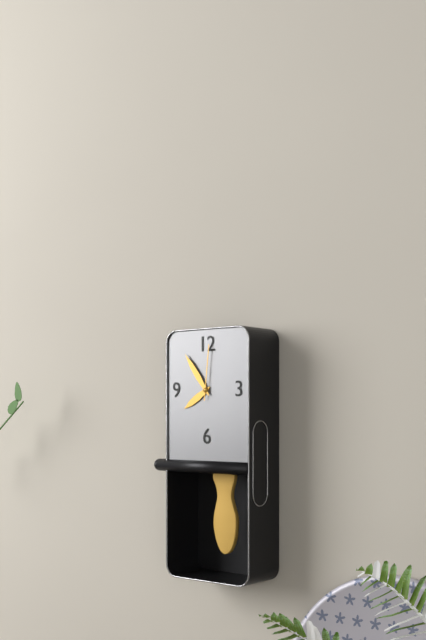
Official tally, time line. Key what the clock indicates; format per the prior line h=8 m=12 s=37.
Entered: h=7 m=54 s=1
